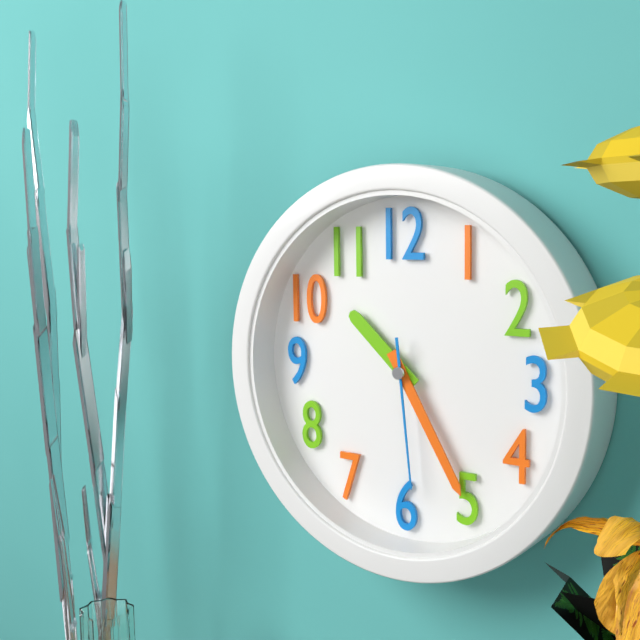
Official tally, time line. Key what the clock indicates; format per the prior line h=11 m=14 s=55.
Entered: h=10 m=25 s=29
